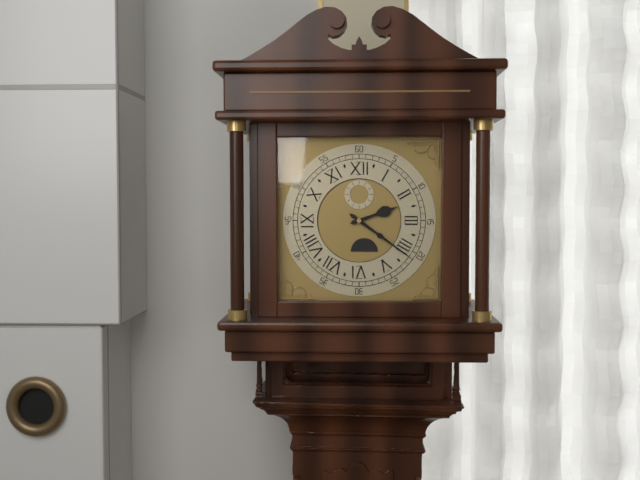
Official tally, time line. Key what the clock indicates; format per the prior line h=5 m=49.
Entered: h=2 m=21
